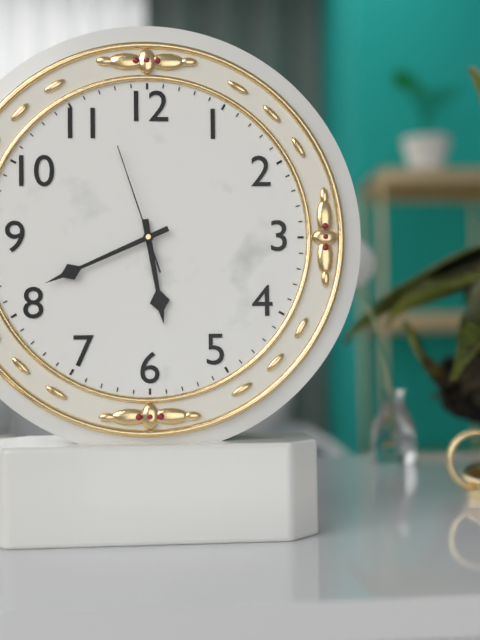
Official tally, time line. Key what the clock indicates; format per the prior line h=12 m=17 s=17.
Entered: h=5 m=41 s=57
